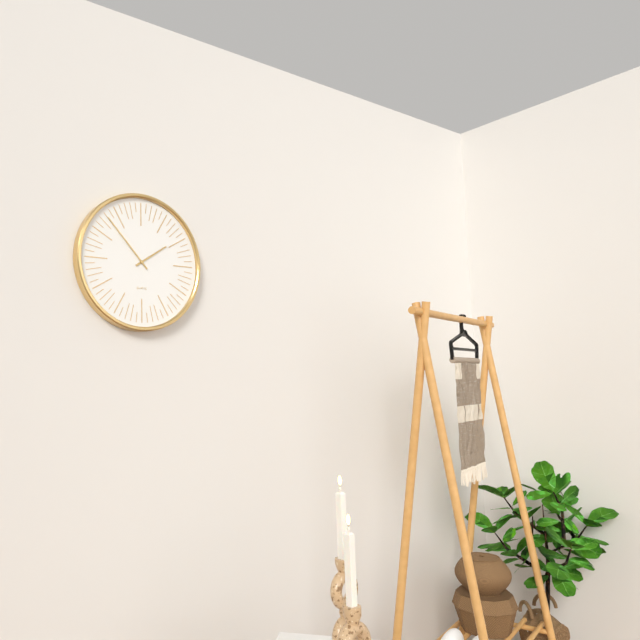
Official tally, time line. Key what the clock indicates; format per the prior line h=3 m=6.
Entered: h=1 m=53
